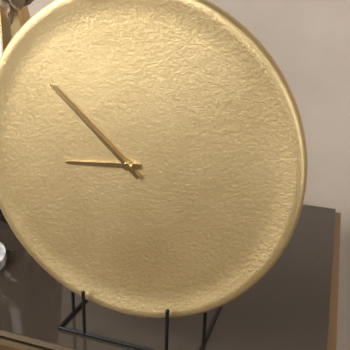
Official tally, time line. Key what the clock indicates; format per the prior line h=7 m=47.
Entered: h=8 m=52
